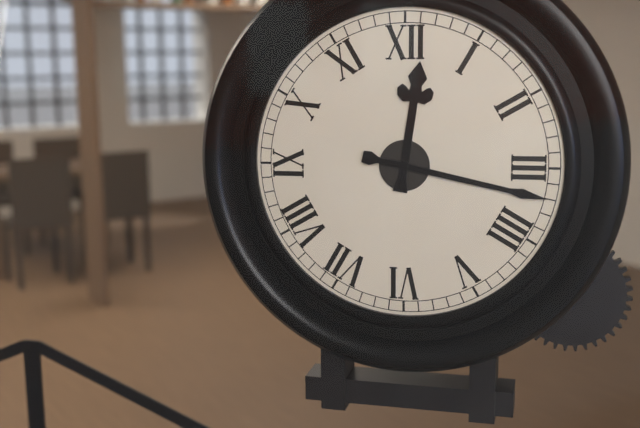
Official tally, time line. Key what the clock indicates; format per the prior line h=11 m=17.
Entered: h=12 m=17
